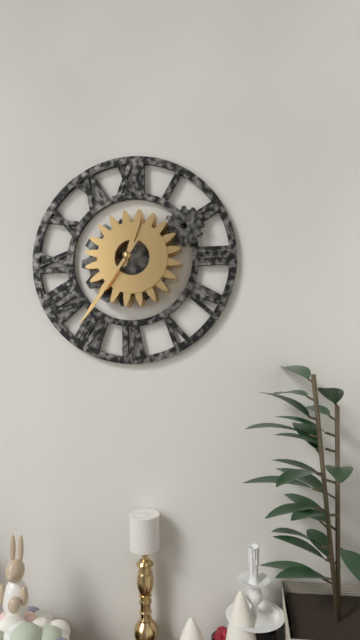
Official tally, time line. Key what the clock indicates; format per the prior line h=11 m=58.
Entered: h=12 m=36
